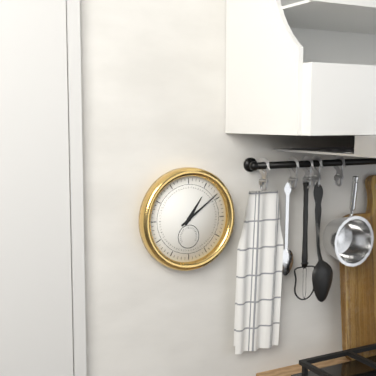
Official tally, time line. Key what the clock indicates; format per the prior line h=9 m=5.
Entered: h=1 m=9
